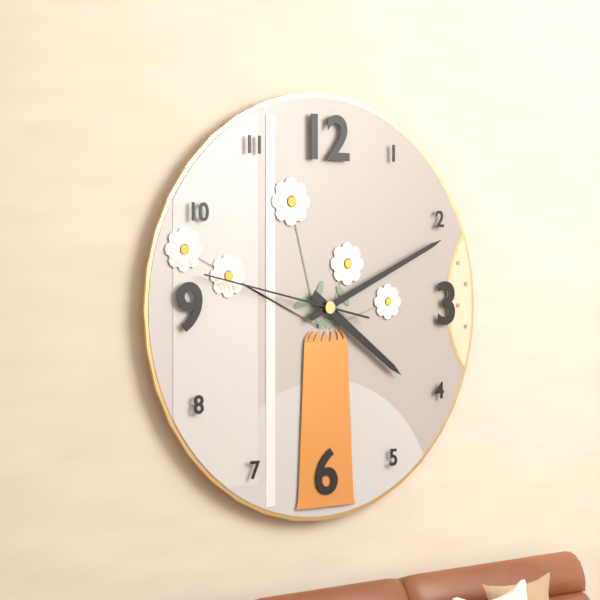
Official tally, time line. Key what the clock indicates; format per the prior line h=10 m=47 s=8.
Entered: h=4 m=11 s=47
